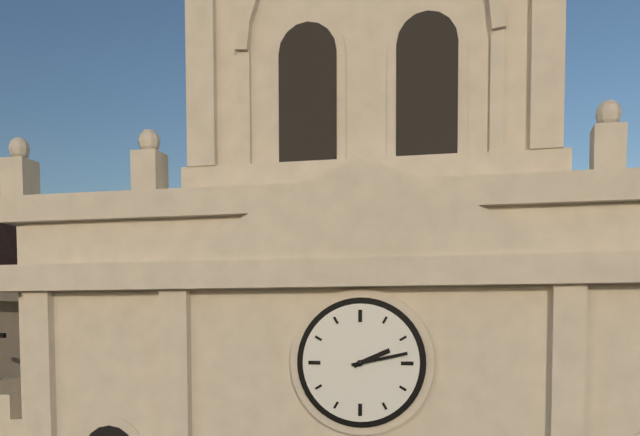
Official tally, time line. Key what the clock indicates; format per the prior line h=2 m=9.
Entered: h=2 m=13
